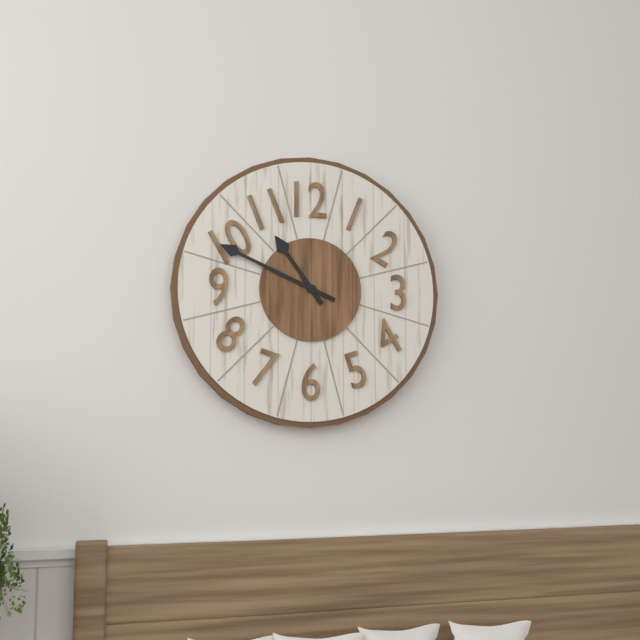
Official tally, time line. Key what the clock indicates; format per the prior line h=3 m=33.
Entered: h=10 m=49
